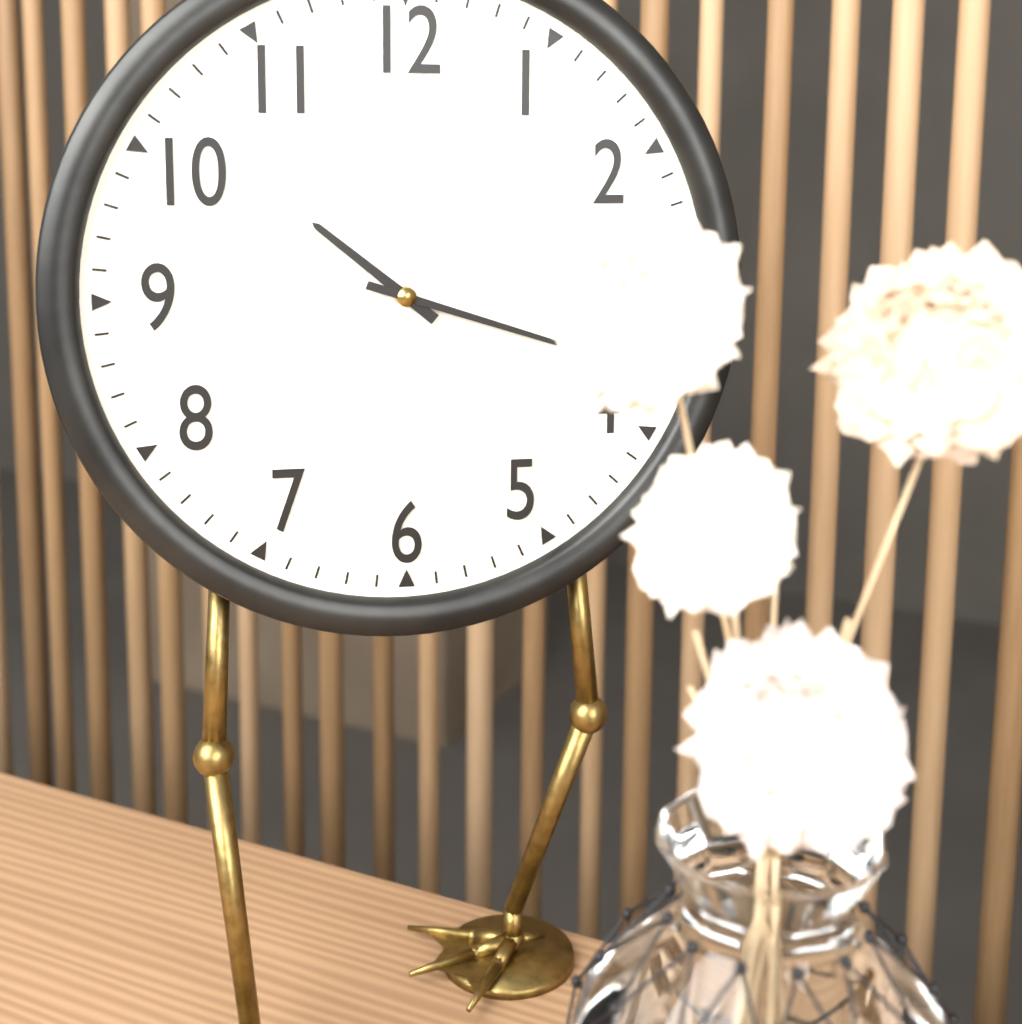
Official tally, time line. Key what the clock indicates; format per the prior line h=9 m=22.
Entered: h=10 m=18
